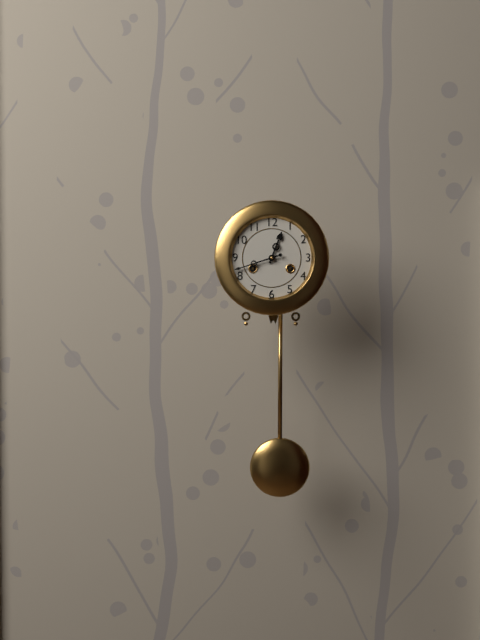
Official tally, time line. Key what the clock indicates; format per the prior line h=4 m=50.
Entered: h=12 m=42
